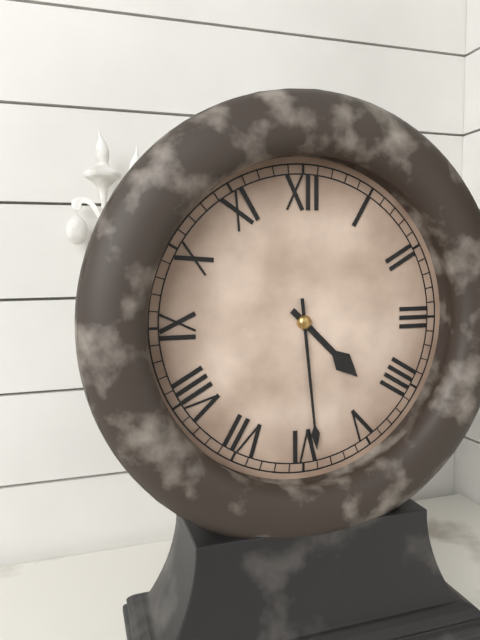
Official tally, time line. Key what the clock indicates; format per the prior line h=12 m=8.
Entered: h=4 m=29
